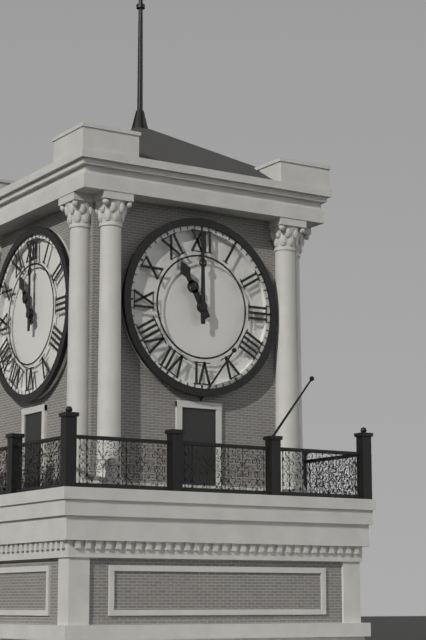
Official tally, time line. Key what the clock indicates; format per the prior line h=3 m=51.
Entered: h=11 m=0
